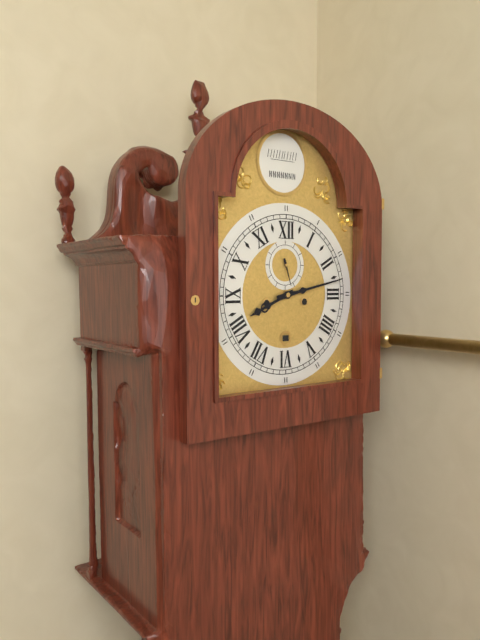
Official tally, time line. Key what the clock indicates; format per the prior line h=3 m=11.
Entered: h=8 m=13
